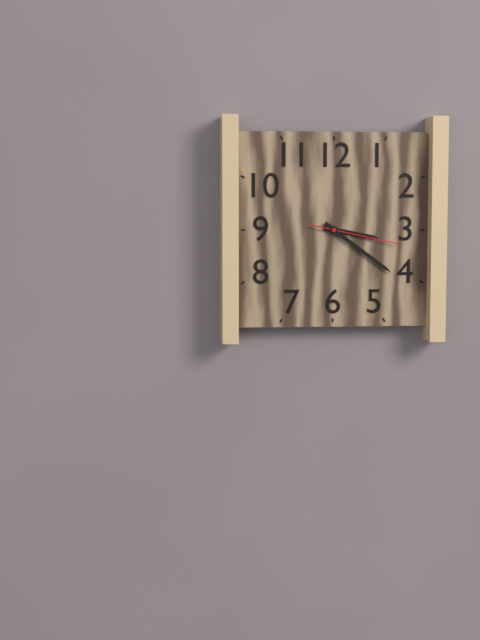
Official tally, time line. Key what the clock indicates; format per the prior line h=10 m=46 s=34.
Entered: h=3 m=21 s=17
